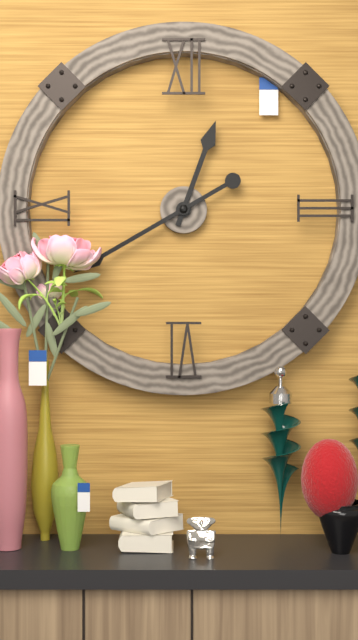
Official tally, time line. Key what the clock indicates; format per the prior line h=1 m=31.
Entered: h=12 m=40
